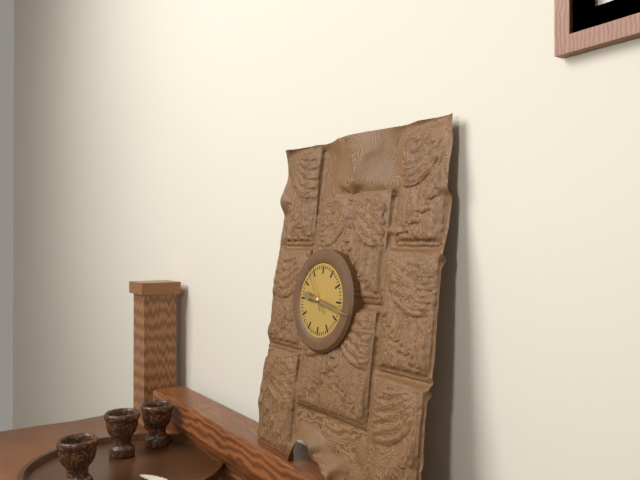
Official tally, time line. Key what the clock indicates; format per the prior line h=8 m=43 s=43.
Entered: h=9 m=17 s=54
